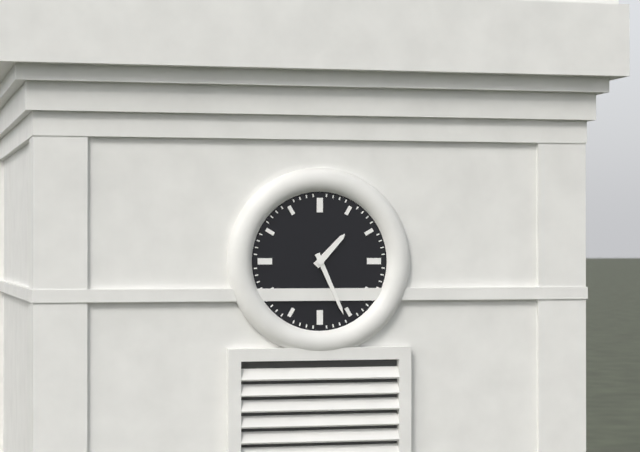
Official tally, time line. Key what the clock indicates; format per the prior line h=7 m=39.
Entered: h=1 m=26
